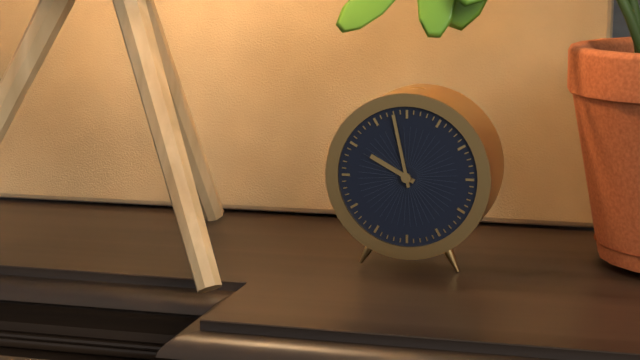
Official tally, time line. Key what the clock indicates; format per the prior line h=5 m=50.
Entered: h=9 m=58
